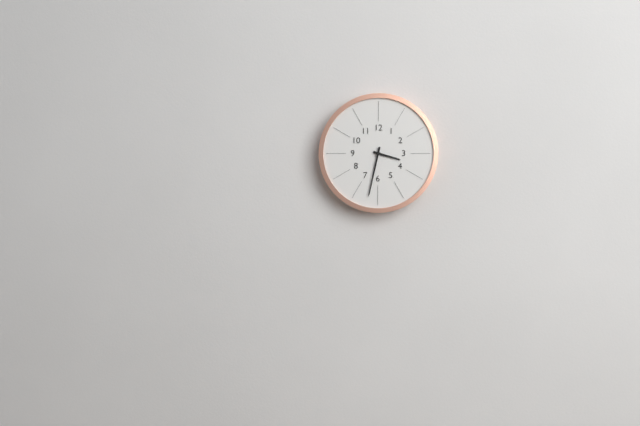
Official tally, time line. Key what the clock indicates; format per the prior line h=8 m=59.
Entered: h=3 m=32
